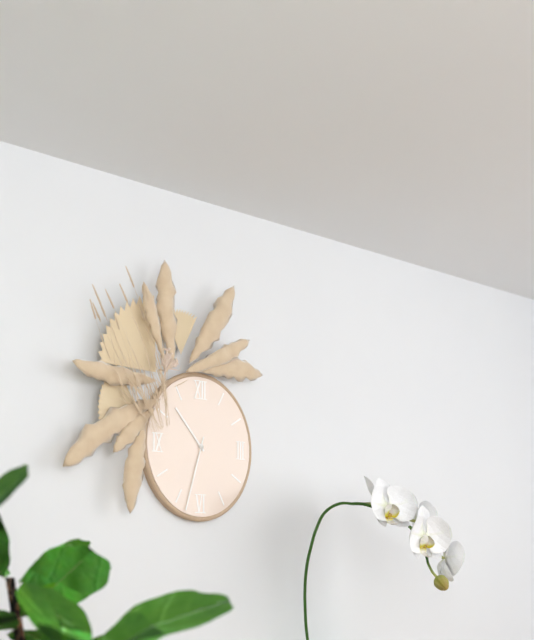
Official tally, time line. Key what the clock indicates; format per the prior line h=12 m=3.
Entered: h=10 m=33
